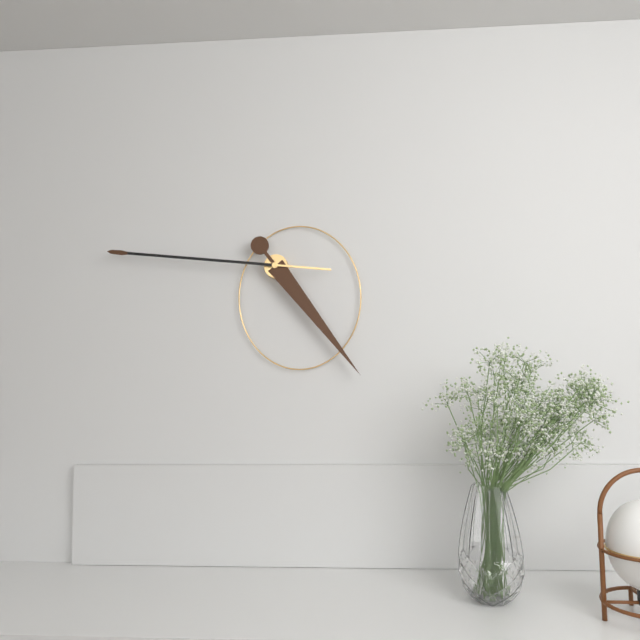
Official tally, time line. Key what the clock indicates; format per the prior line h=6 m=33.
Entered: h=4 m=46
